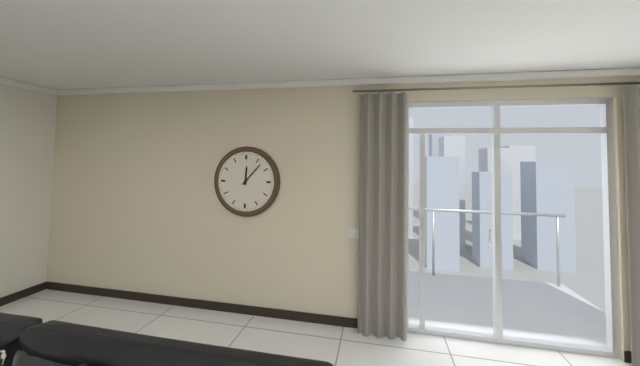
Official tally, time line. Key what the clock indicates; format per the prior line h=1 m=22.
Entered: h=12 m=7
